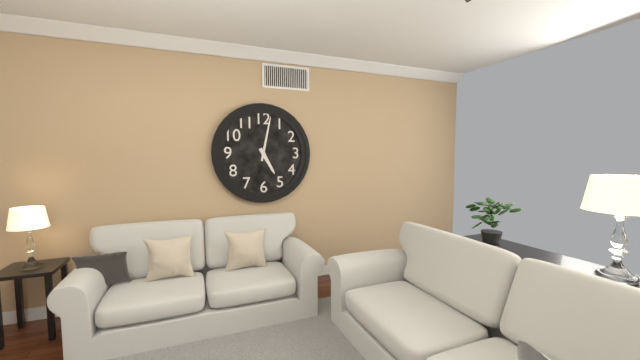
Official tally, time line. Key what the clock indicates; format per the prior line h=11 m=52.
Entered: h=5 m=2
